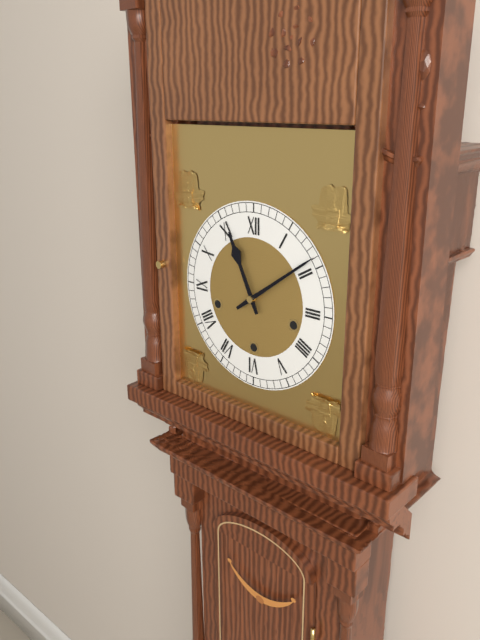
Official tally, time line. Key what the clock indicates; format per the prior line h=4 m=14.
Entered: h=11 m=9
